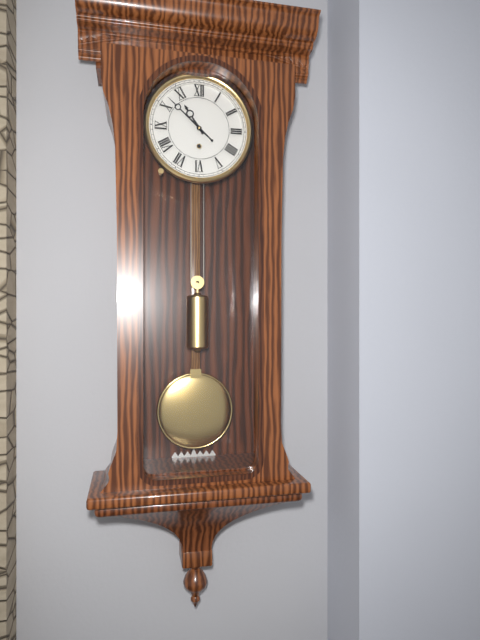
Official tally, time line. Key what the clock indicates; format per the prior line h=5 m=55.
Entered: h=10 m=52
